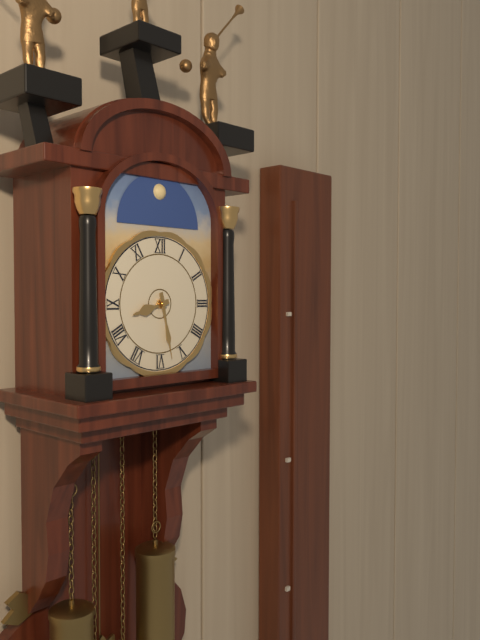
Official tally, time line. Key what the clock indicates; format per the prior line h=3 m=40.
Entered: h=8 m=28
